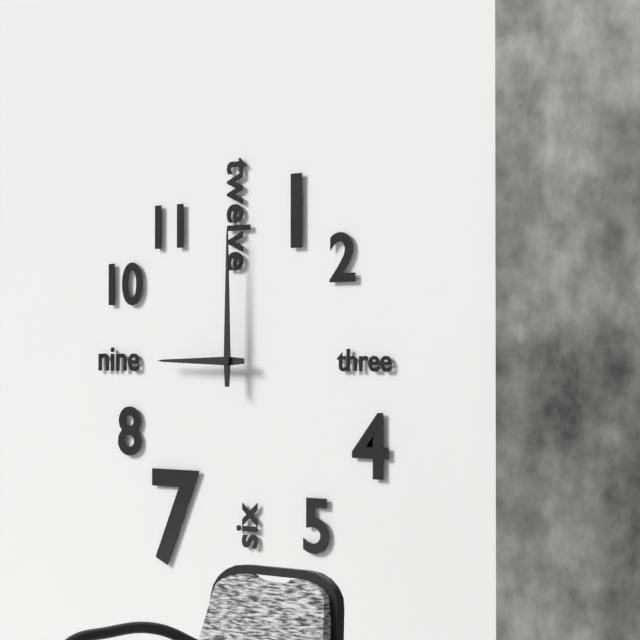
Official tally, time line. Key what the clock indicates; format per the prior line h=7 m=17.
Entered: h=9 m=0
